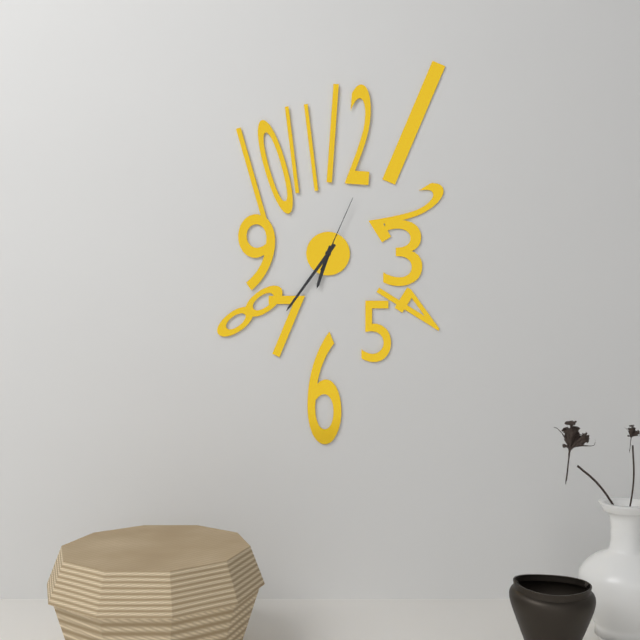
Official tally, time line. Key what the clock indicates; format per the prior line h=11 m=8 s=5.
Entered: h=6 m=36 s=4
